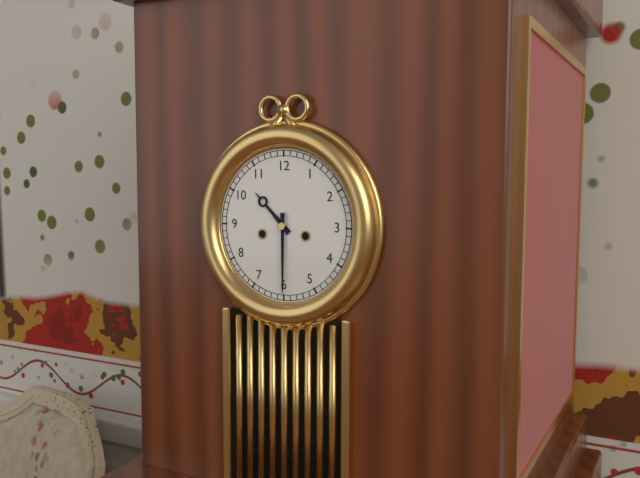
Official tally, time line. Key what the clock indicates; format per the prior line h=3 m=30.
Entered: h=10 m=30
